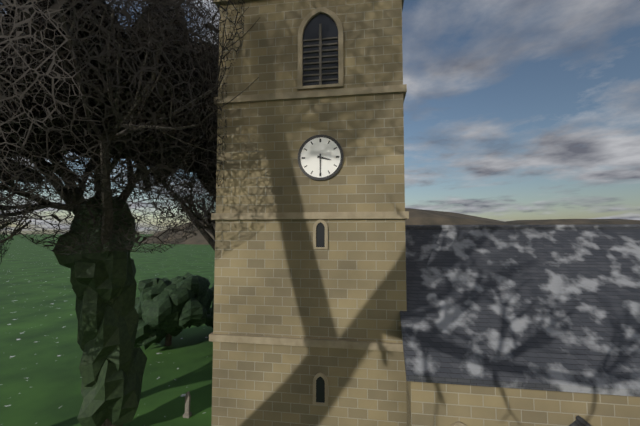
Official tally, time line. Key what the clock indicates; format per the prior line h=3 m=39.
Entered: h=3 m=30
